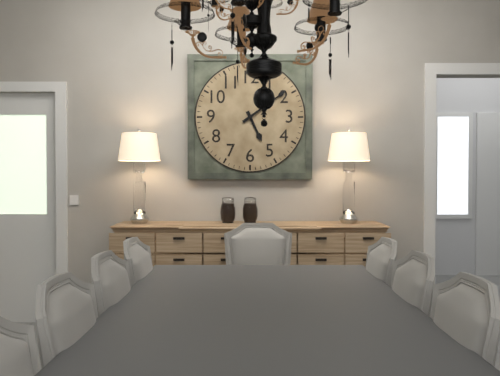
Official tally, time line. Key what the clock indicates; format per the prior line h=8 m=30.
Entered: h=5 m=9
